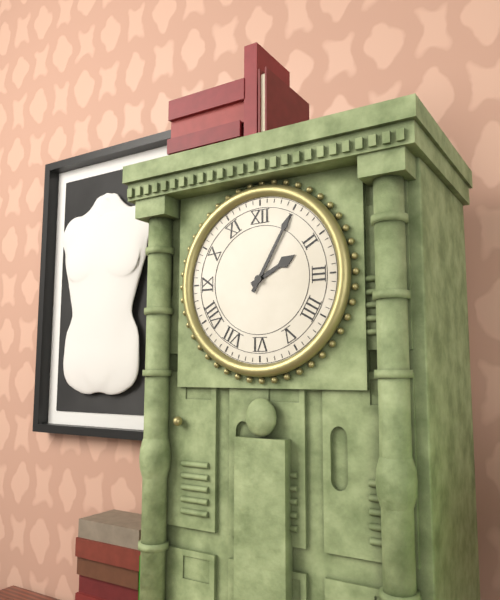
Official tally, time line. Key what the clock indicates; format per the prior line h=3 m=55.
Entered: h=2 m=5
